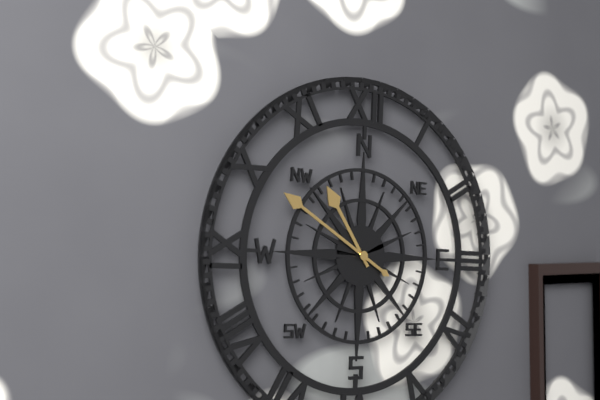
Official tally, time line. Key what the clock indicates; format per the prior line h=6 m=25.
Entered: h=10 m=50
